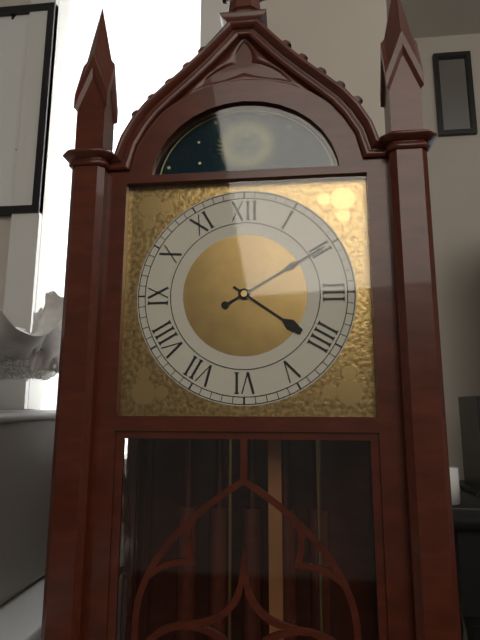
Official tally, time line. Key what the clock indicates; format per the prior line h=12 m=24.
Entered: h=4 m=10
